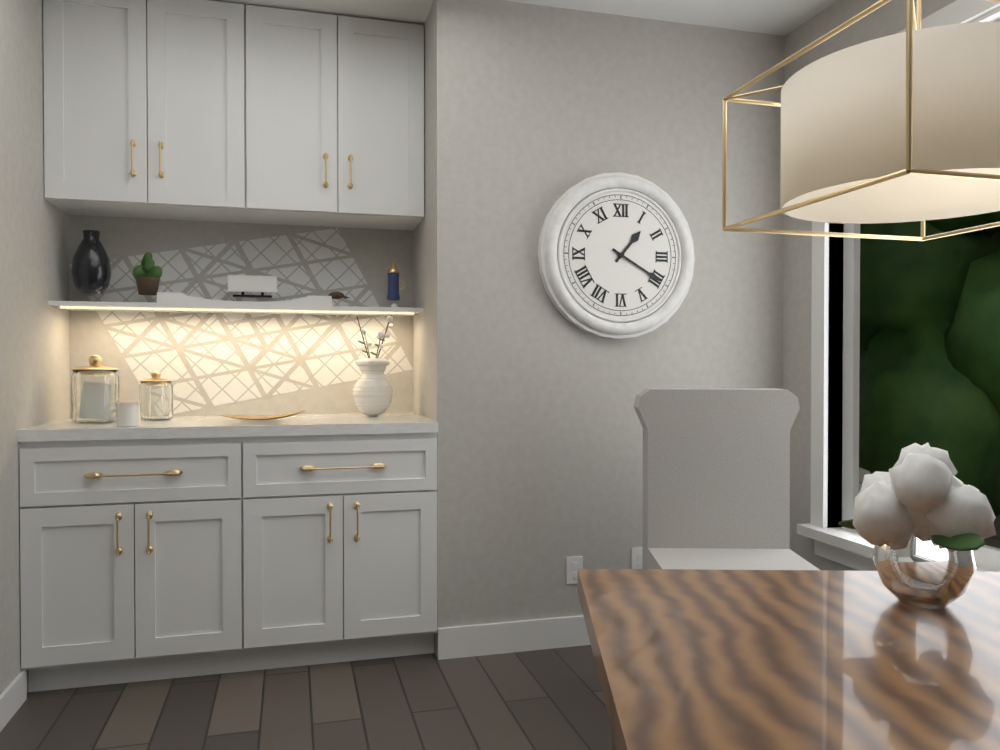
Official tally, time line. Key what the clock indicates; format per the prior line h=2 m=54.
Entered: h=1 m=20
